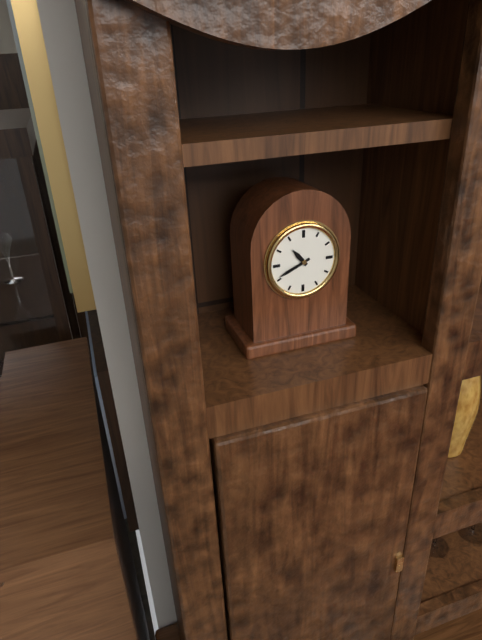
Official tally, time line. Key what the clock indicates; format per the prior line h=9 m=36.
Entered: h=10 m=41
